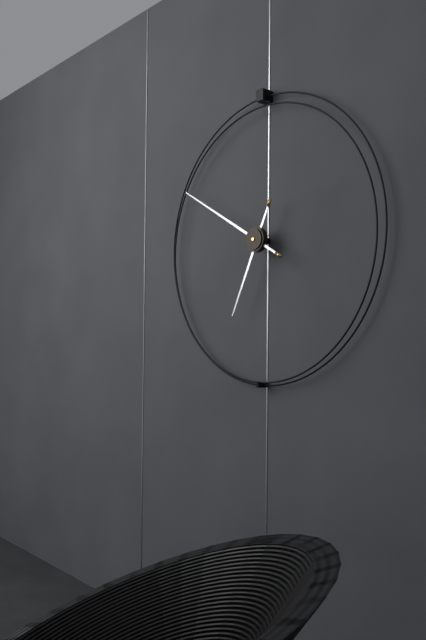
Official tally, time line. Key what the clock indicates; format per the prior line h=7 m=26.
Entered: h=6 m=50
